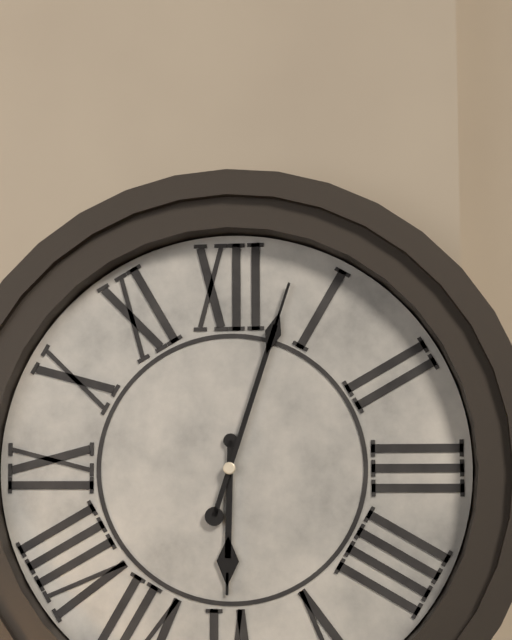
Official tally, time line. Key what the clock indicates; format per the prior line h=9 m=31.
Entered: h=6 m=3
